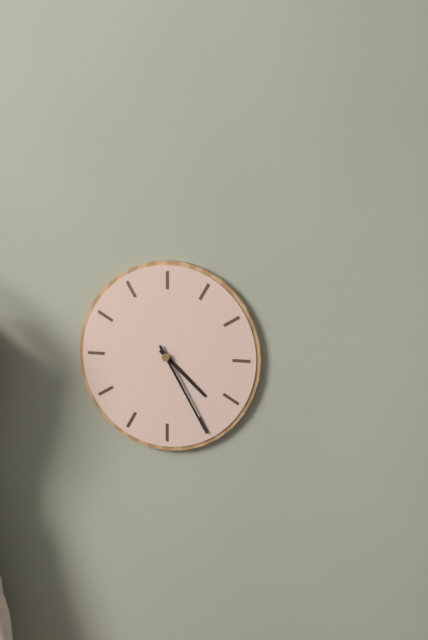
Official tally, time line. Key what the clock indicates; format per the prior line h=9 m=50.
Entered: h=4 m=25
